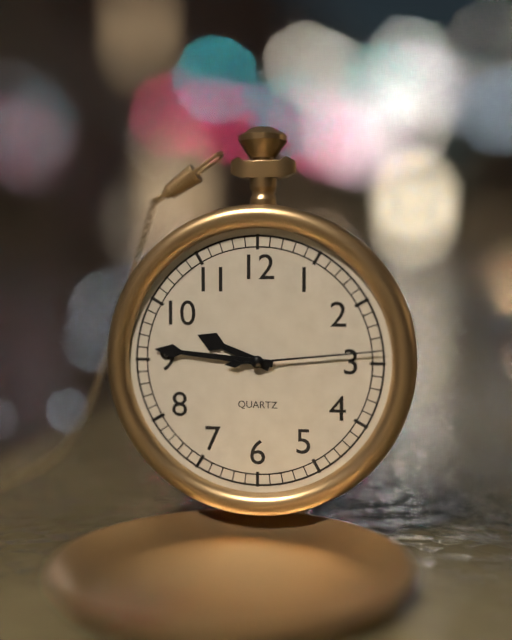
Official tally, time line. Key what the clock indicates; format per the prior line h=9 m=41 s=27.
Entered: h=9 m=46 s=14
